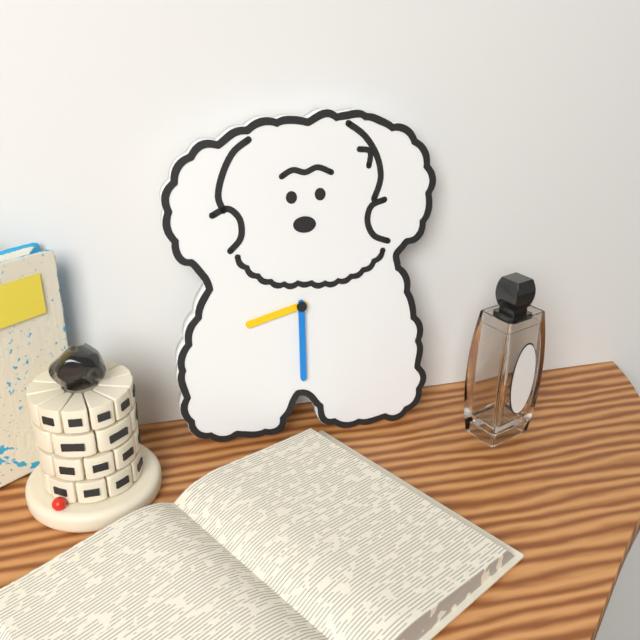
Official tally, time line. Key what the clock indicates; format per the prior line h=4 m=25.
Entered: h=8 m=30
